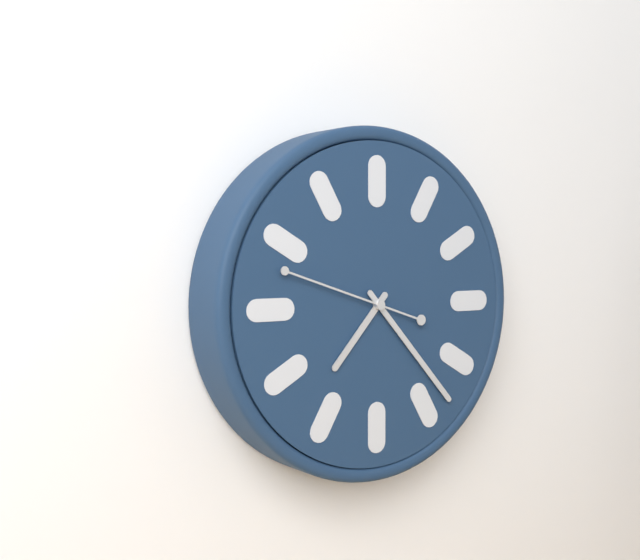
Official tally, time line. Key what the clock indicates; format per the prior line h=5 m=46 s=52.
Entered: h=7 m=23 s=48
